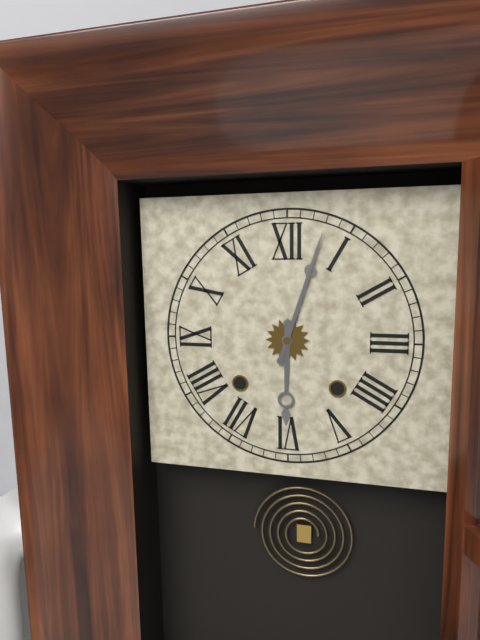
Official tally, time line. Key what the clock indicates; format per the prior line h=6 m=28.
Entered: h=6 m=3
